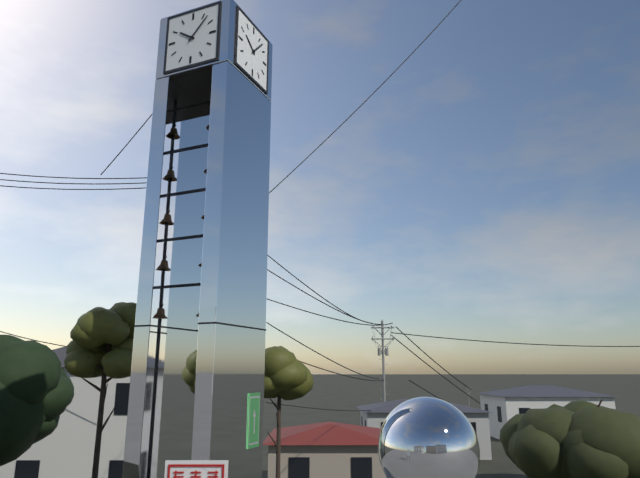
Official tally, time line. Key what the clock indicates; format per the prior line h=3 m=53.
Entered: h=10 m=7
